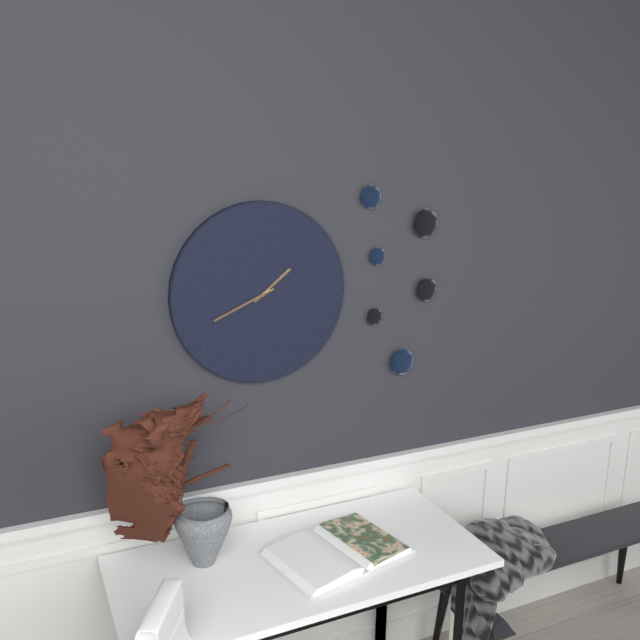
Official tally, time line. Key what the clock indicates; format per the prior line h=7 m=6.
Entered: h=1 m=41
